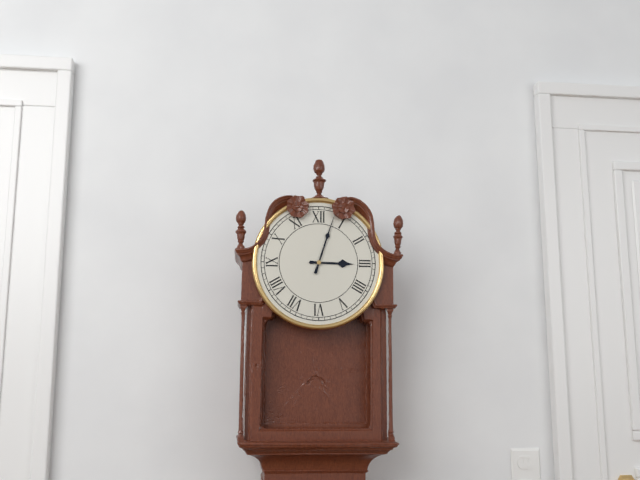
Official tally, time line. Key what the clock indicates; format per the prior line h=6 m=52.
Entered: h=3 m=3
